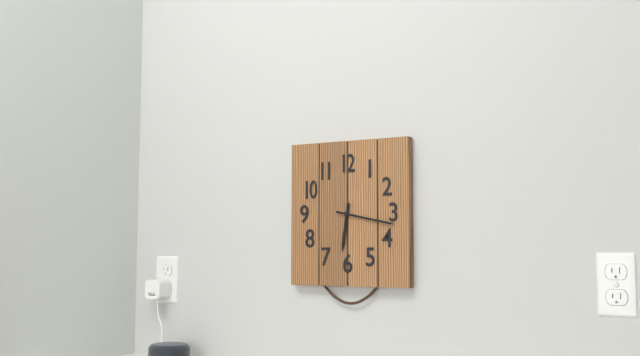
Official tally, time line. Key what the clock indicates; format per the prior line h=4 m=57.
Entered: h=6 m=17
